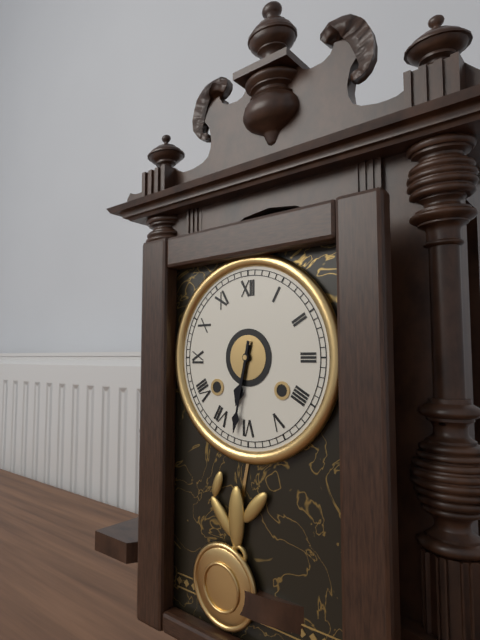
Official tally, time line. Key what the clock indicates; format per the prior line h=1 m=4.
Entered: h=6 m=32
